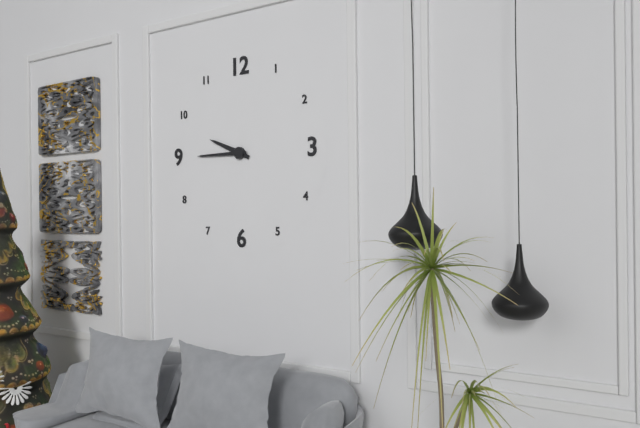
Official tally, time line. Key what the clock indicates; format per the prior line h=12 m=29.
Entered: h=9 m=45
